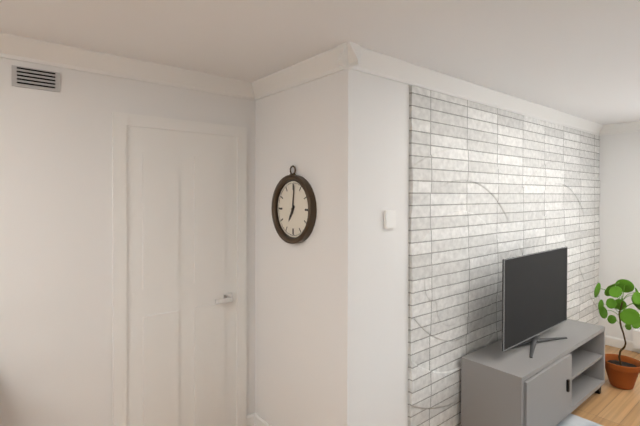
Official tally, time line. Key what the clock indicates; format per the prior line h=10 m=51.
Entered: h=7 m=1
